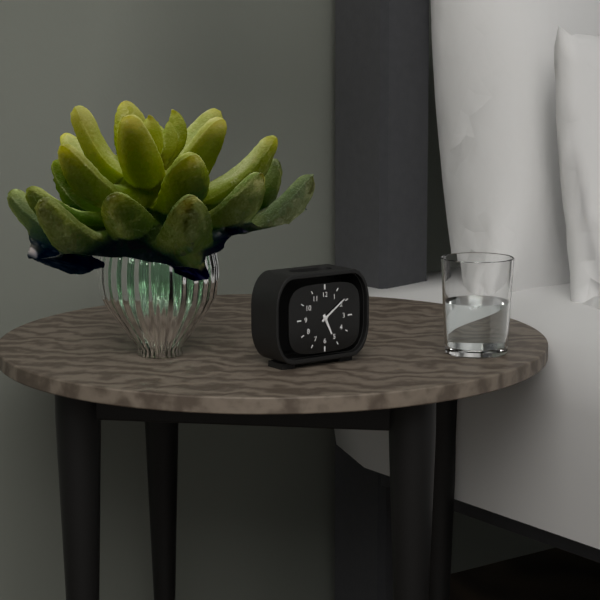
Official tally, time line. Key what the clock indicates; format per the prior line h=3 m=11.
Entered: h=5 m=9
